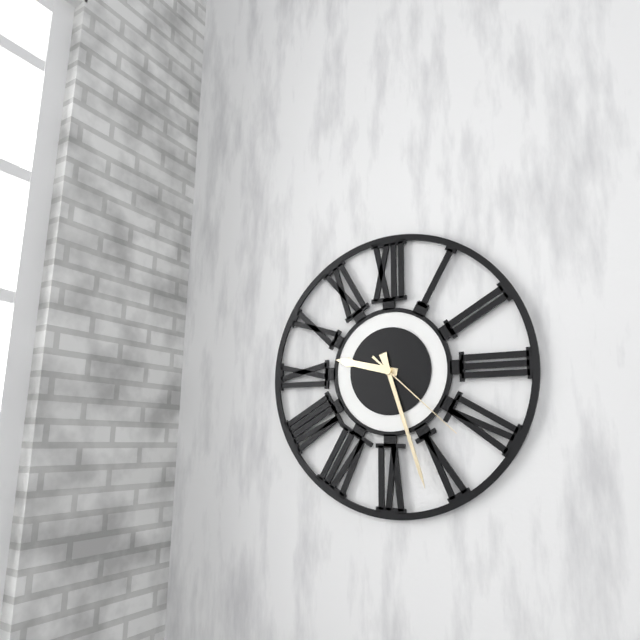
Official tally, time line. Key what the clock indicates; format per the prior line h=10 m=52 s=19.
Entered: h=9 m=27 s=22
